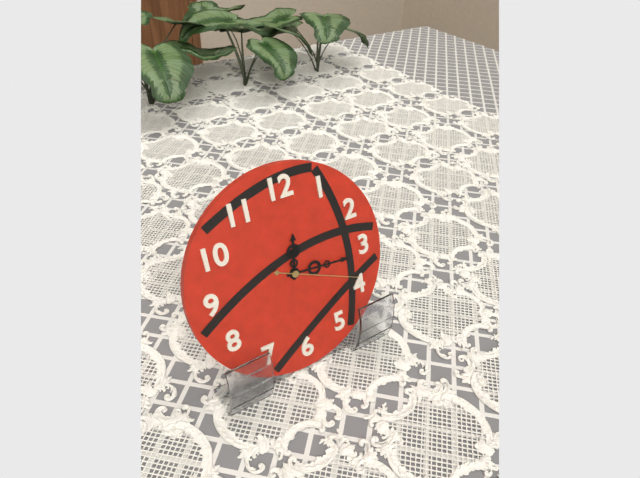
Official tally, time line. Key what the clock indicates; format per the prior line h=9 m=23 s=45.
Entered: h=12 m=16 s=19
